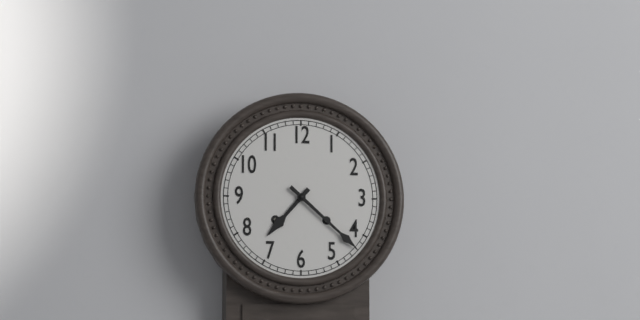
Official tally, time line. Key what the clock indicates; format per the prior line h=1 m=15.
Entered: h=7 m=22
